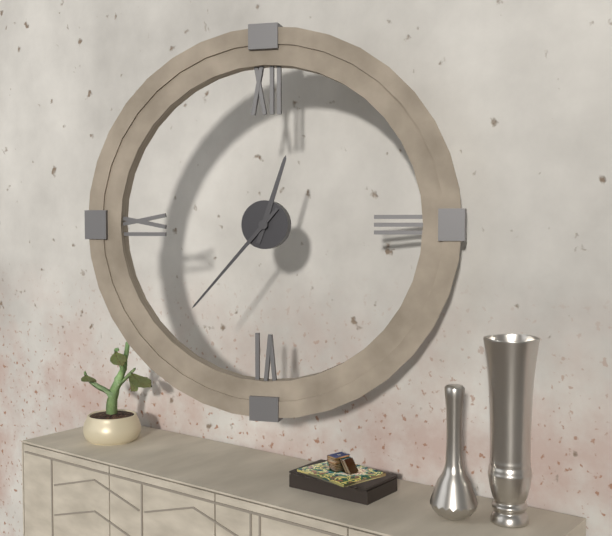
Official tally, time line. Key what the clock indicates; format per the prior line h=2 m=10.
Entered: h=12 m=37
